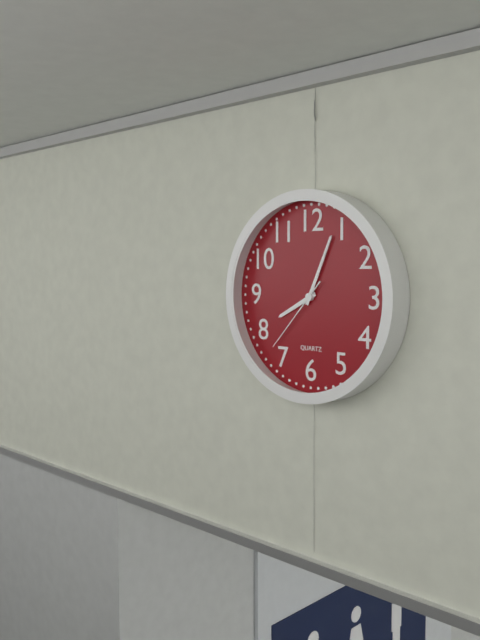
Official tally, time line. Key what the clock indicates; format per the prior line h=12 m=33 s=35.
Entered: h=8 m=4 s=37
